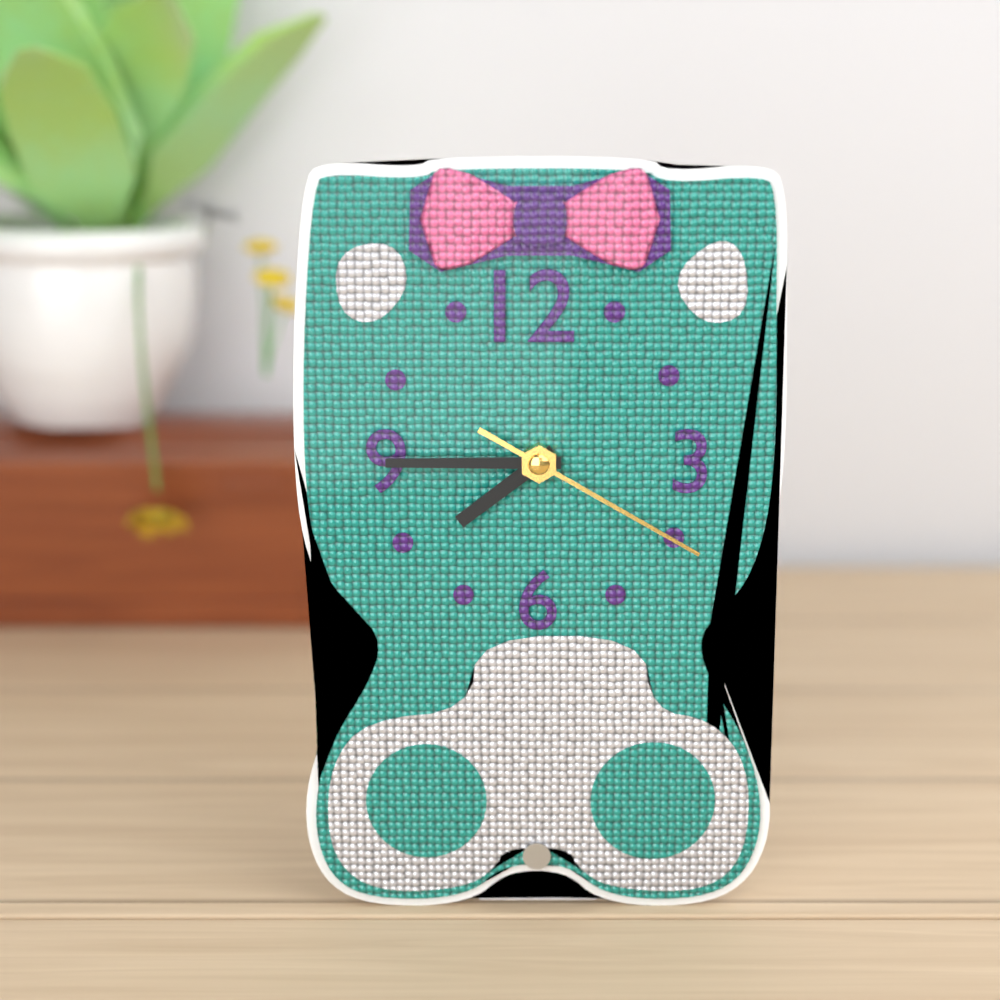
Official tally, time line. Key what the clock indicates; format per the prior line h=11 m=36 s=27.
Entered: h=7 m=45 s=20
